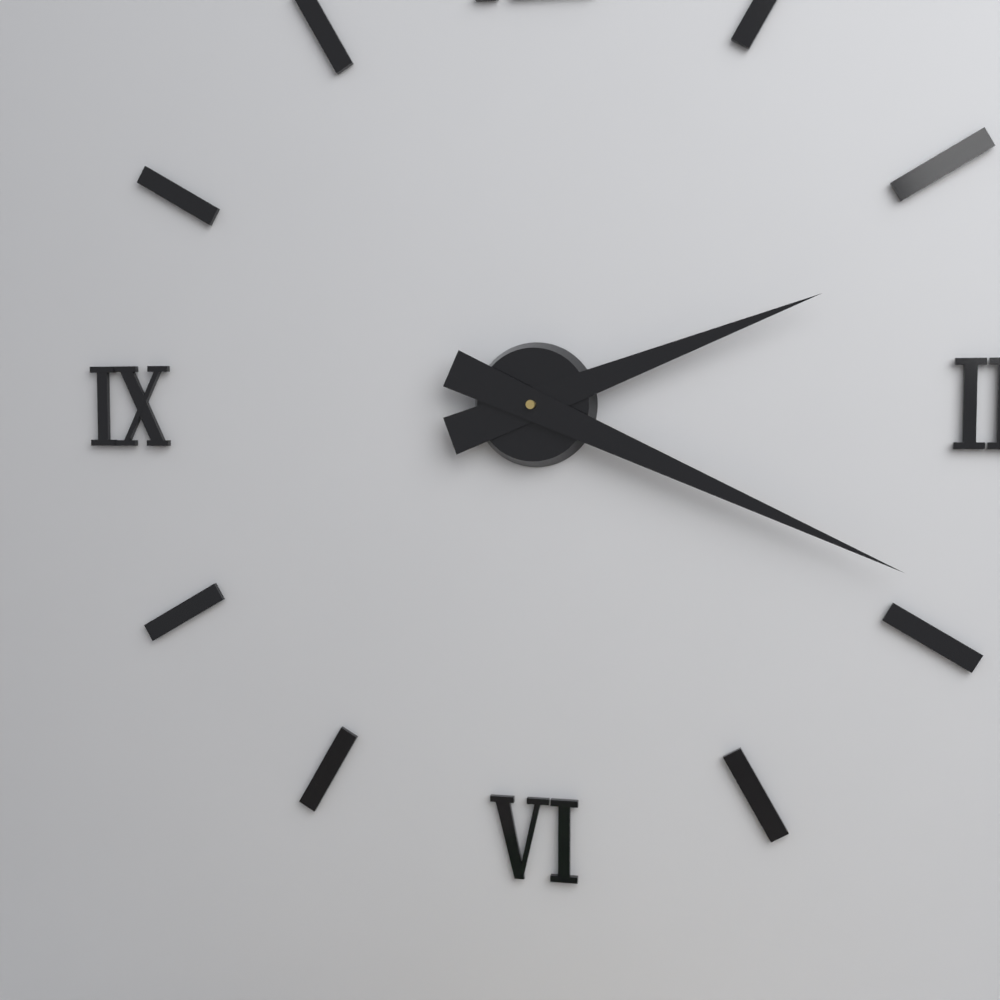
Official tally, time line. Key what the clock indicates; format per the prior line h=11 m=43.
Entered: h=2 m=19
